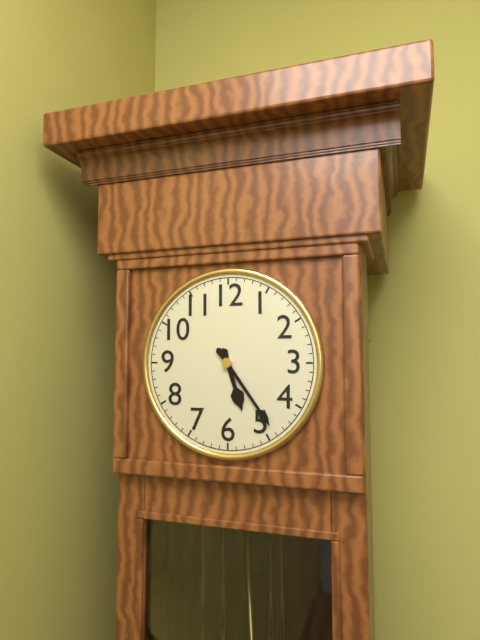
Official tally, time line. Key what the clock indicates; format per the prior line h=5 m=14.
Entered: h=5 m=24
